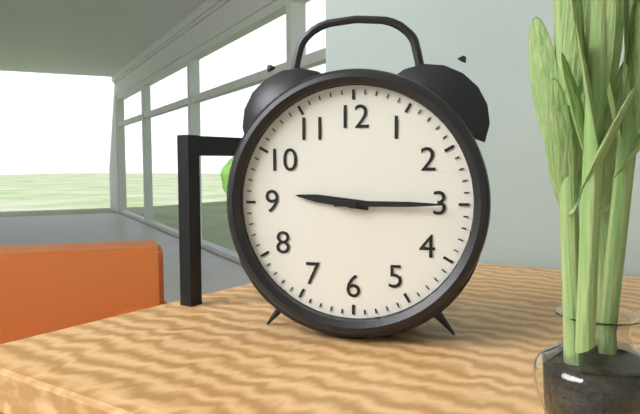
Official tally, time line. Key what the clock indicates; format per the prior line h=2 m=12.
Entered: h=9 m=15
